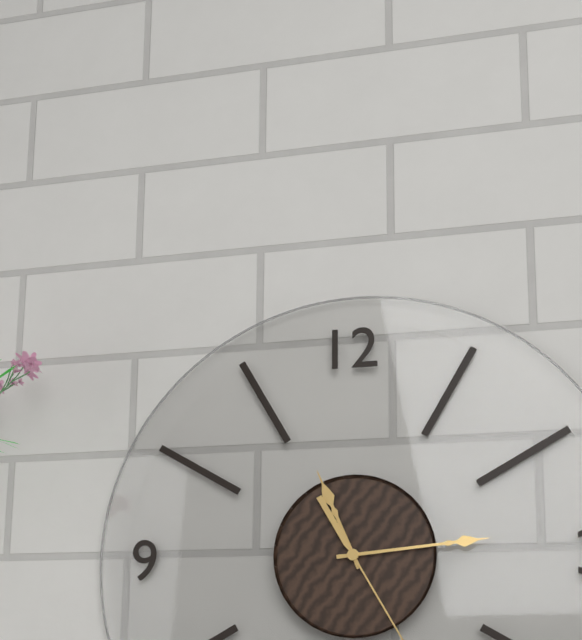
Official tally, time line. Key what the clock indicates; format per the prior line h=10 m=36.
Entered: h=11 m=14
